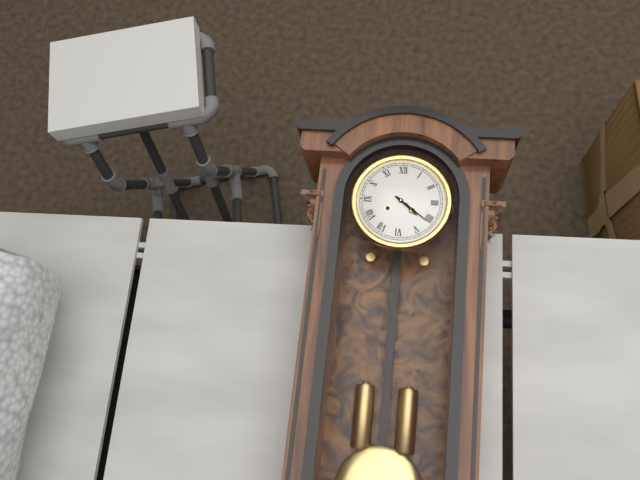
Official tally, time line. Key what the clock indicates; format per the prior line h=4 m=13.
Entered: h=4 m=21
